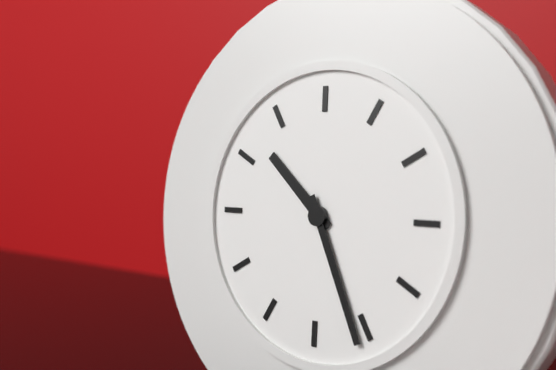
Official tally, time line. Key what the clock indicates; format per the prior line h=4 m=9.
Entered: h=10 m=26
